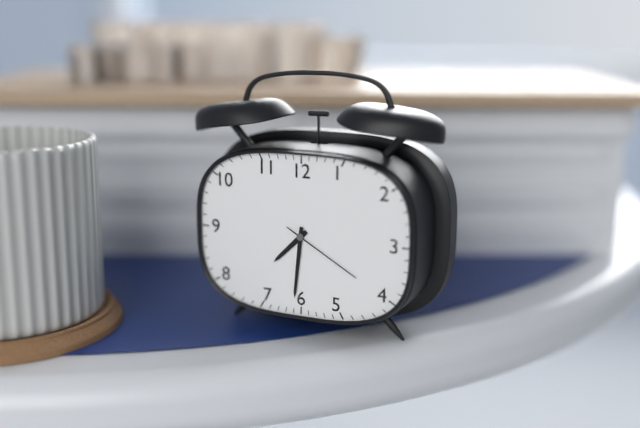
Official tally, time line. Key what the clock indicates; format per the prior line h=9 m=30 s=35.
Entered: h=7 m=31 s=20
